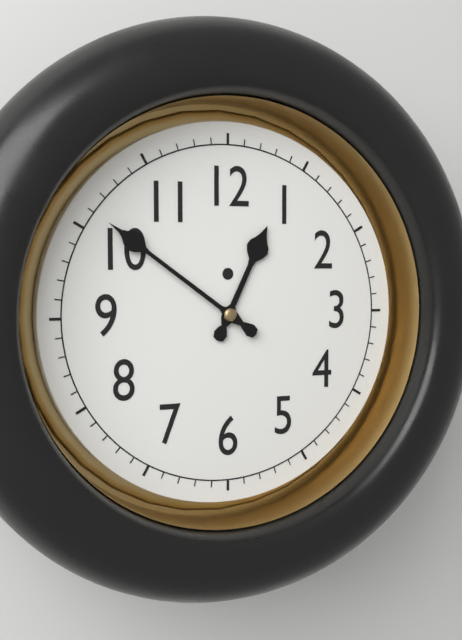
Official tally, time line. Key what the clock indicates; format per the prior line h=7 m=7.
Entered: h=12 m=51
